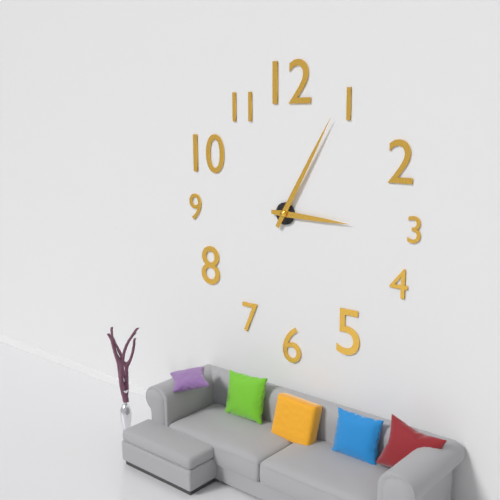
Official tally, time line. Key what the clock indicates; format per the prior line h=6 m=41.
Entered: h=3 m=5
